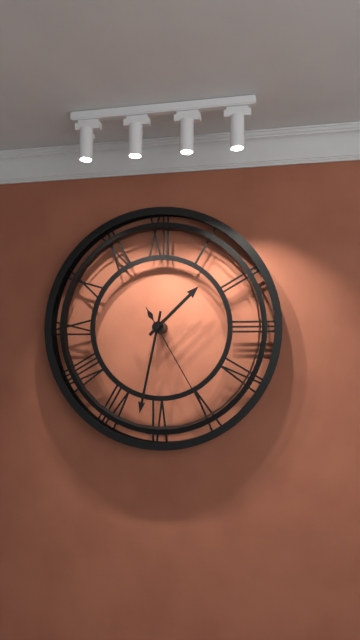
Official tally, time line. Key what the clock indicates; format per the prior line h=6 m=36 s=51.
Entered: h=1 m=32 s=25
